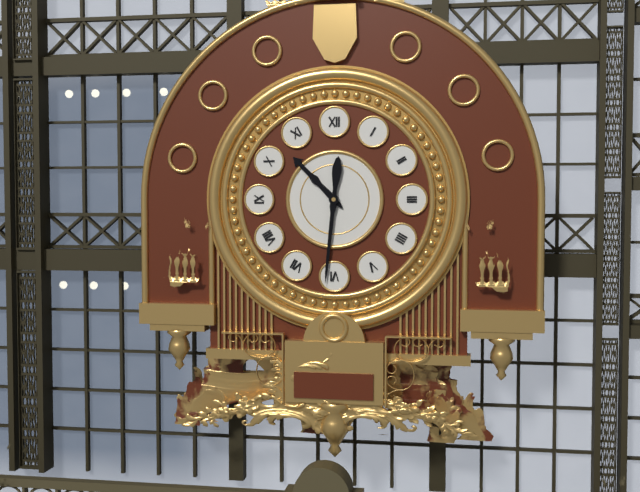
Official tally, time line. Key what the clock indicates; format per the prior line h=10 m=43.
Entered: h=10 m=31
